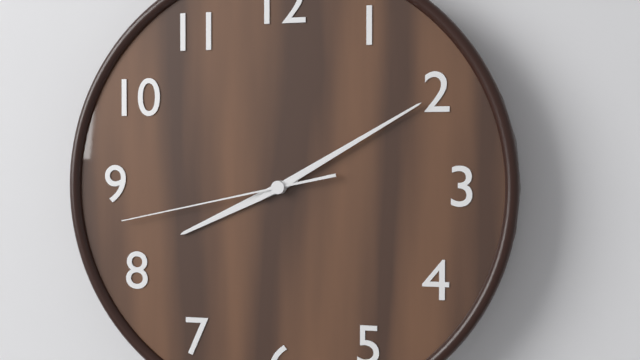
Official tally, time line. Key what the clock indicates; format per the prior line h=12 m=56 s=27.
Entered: h=8 m=10 s=43
